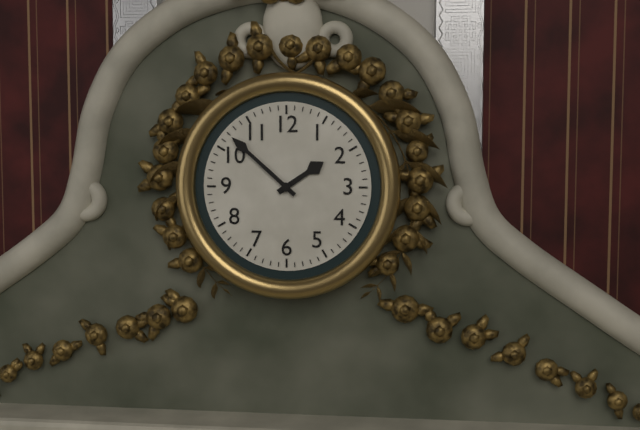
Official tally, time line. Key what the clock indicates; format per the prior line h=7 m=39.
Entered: h=1 m=52
